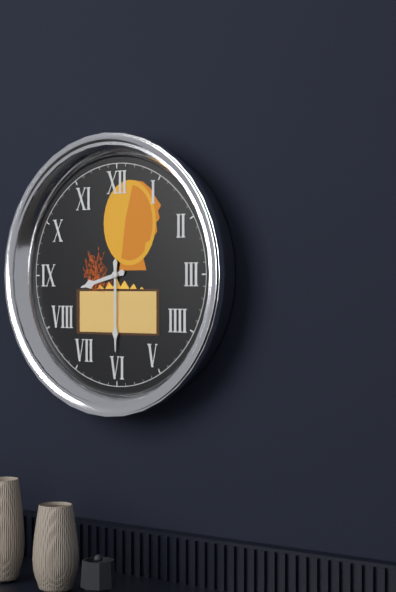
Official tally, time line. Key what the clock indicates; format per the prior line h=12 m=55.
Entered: h=8 m=30
